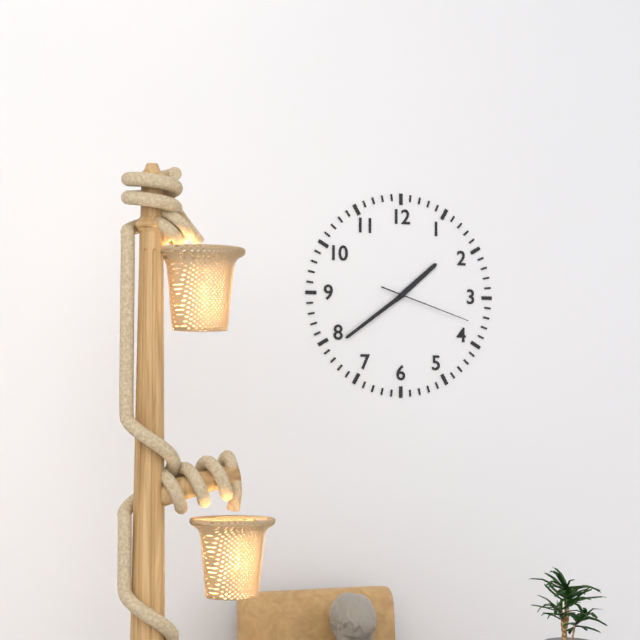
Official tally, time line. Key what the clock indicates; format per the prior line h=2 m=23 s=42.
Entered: h=1 m=39 s=18
